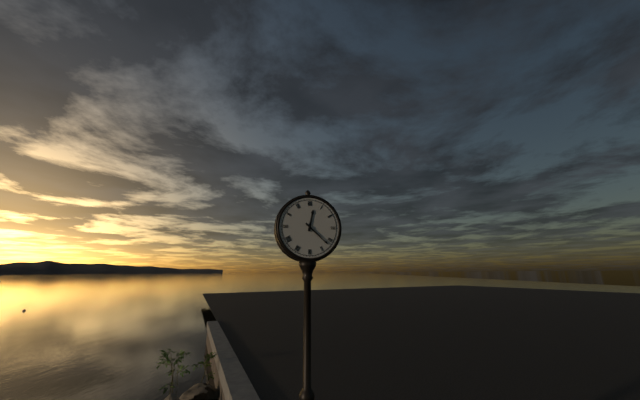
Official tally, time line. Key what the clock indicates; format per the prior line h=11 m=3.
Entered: h=12 m=22
